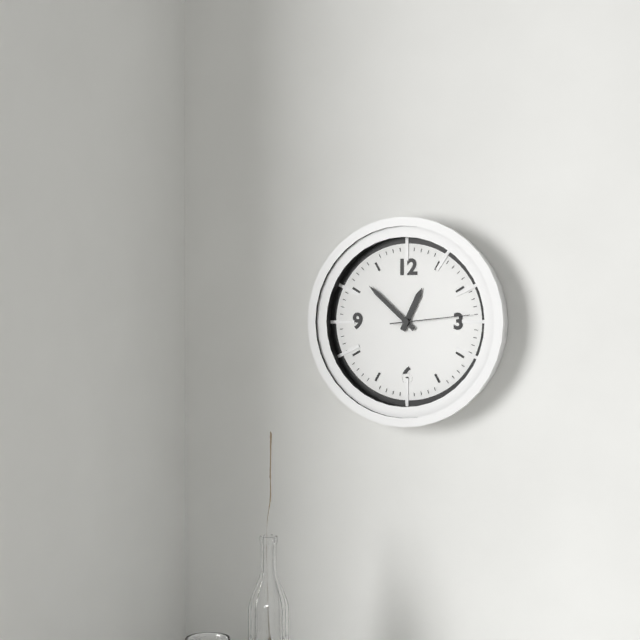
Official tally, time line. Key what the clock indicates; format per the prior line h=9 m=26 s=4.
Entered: h=12 m=52 s=14
